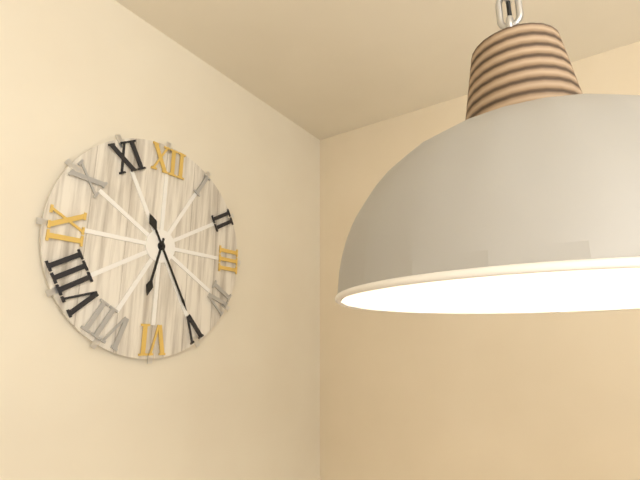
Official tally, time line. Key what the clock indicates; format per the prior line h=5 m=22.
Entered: h=6 m=25
